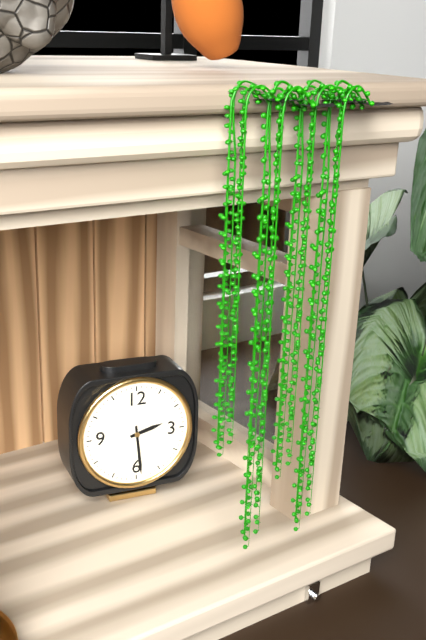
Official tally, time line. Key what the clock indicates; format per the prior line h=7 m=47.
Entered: h=2 m=29
